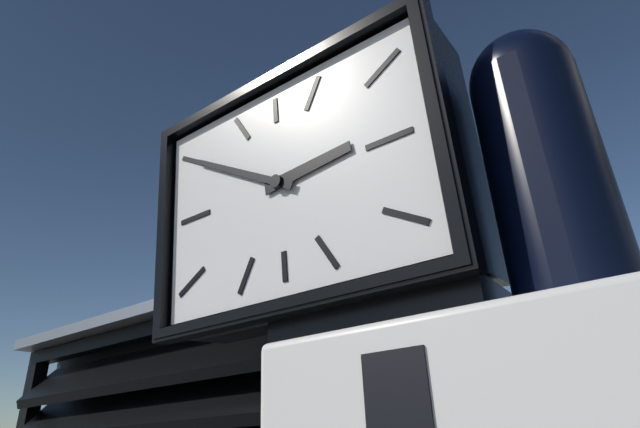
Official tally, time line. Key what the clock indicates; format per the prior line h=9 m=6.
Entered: h=2 m=50
